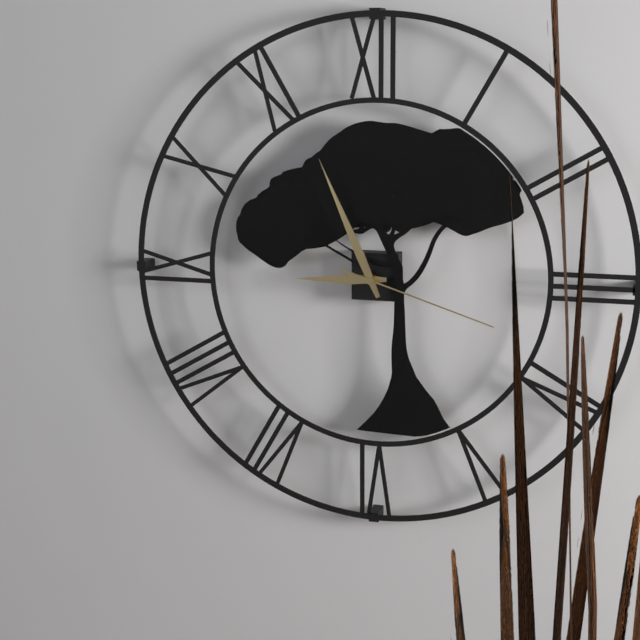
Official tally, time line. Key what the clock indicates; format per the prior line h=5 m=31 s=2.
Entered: h=8 m=56 s=18
